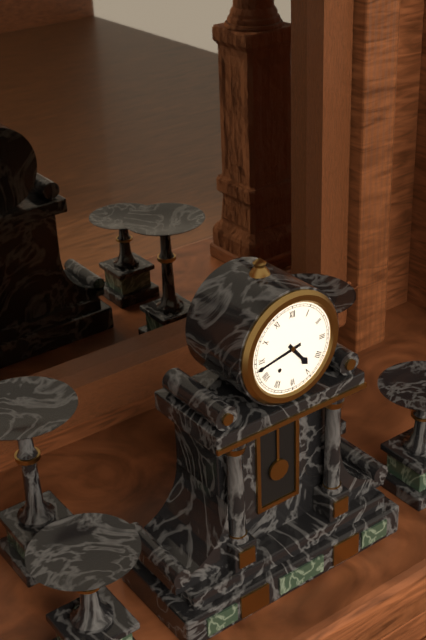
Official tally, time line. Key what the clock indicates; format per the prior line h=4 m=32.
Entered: h=4 m=43
